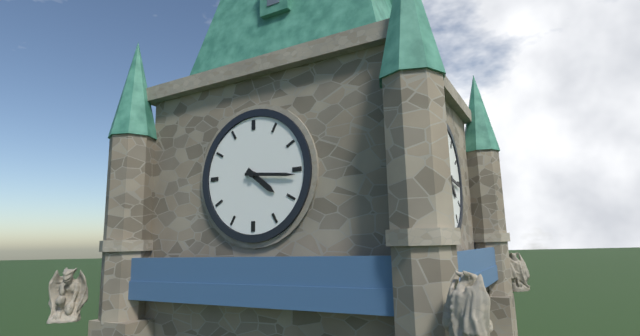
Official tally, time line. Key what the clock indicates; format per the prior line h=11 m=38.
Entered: h=4 m=16
